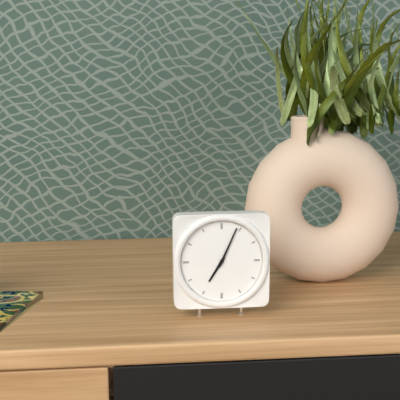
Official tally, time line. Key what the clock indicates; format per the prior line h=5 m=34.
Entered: h=7 m=4
